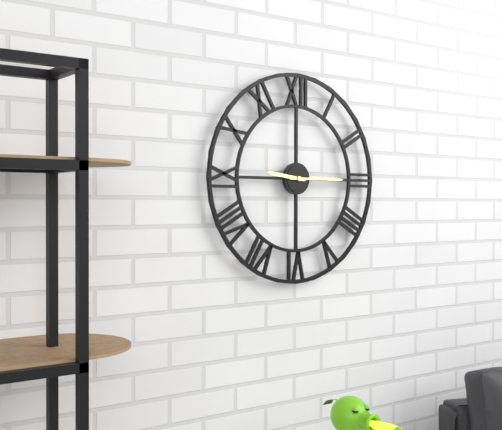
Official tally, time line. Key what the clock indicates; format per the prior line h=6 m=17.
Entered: h=9 m=15
